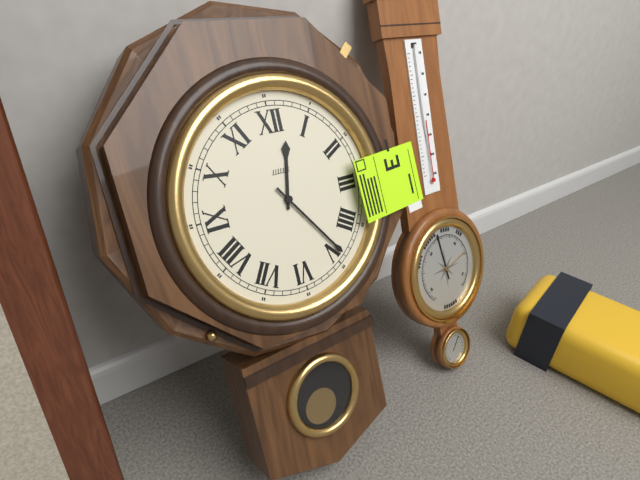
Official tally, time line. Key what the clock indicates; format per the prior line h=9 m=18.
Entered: h=12 m=24
